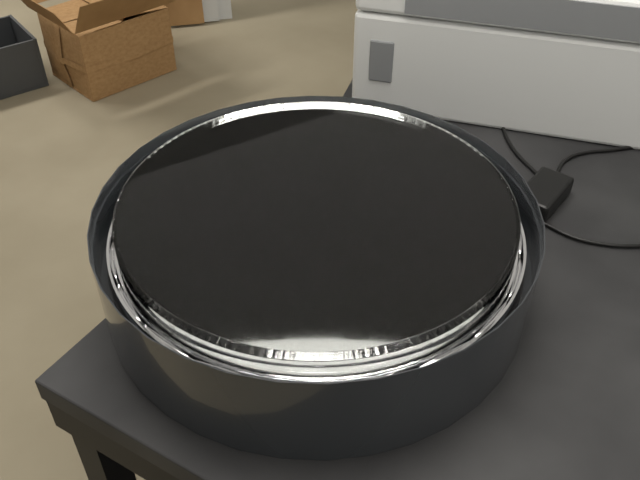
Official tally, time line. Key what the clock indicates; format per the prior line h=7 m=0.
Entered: h=12 m=20
